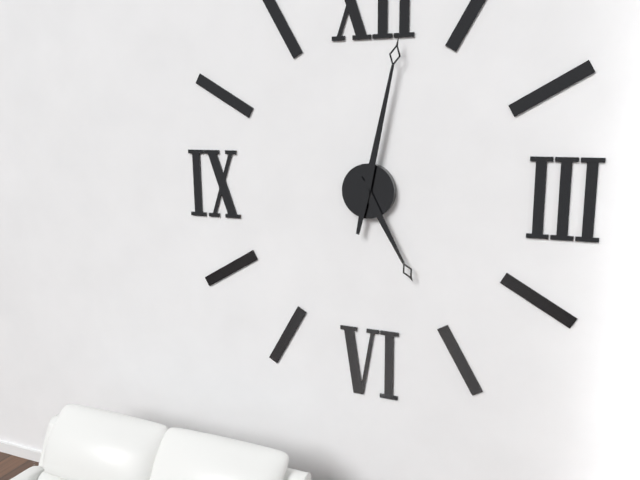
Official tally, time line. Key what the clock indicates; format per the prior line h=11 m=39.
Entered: h=5 m=2
